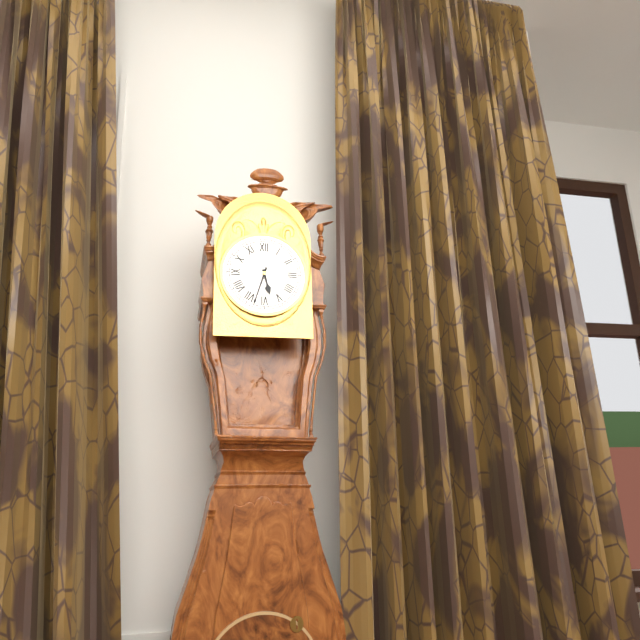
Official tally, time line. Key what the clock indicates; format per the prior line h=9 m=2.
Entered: h=5 m=33
